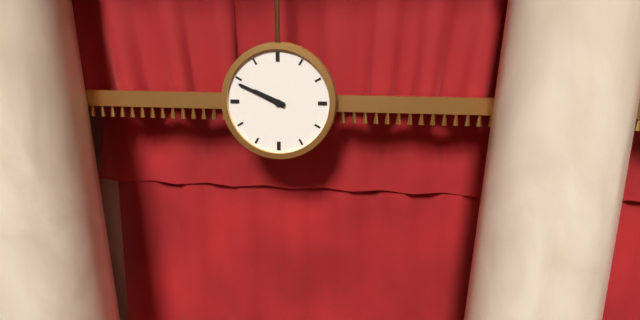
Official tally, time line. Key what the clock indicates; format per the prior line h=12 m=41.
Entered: h=9 m=49
